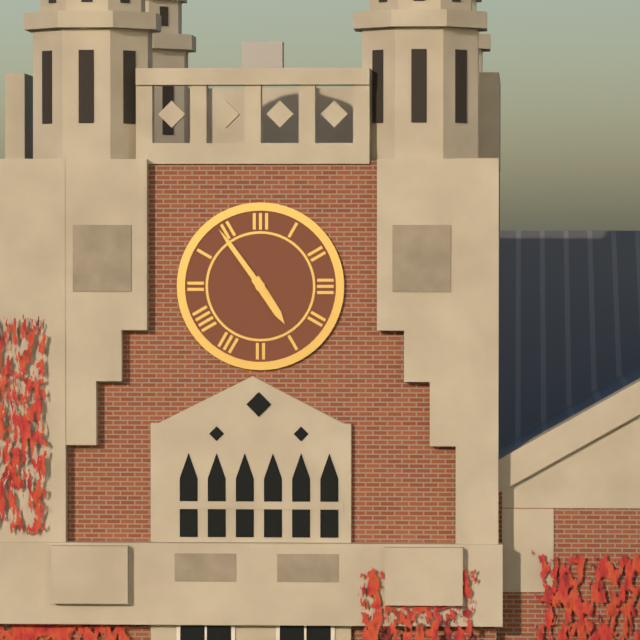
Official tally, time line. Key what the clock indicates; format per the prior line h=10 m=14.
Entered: h=4 m=54
